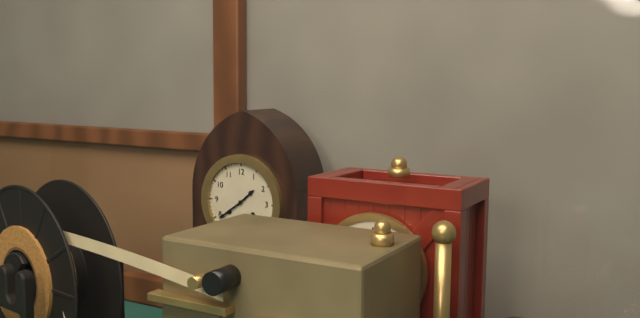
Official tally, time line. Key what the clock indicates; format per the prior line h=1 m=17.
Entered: h=1 m=39
